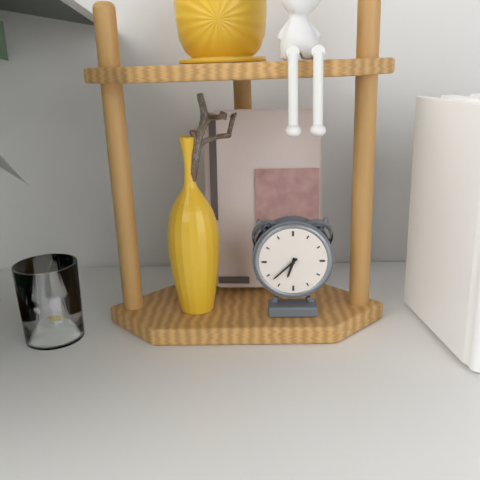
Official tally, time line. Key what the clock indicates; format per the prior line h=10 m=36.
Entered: h=6 m=38
